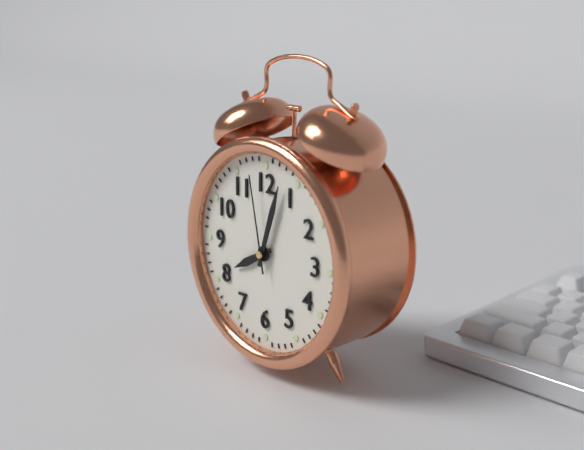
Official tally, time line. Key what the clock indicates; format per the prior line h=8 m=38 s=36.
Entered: h=8 m=3 s=58
